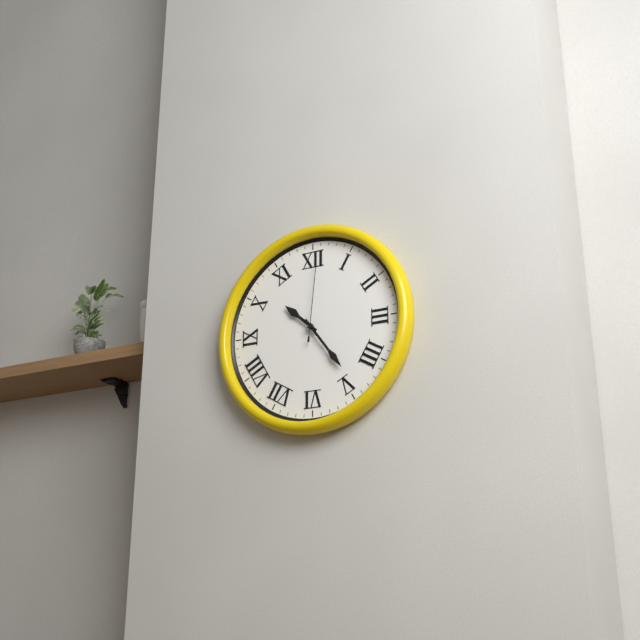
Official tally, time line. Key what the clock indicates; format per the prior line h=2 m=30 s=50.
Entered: h=10 m=24 s=1
